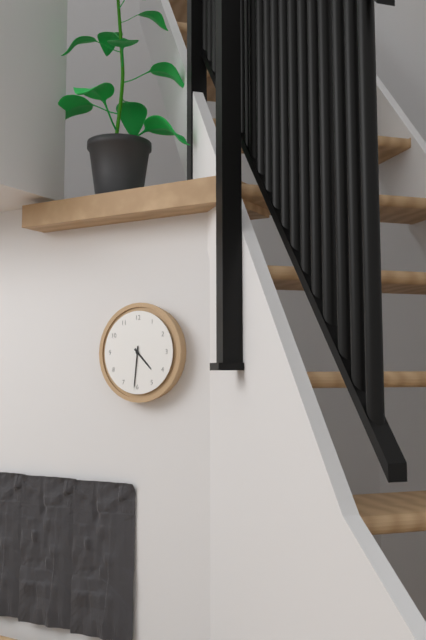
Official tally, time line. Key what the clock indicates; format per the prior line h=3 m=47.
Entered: h=4 m=31
